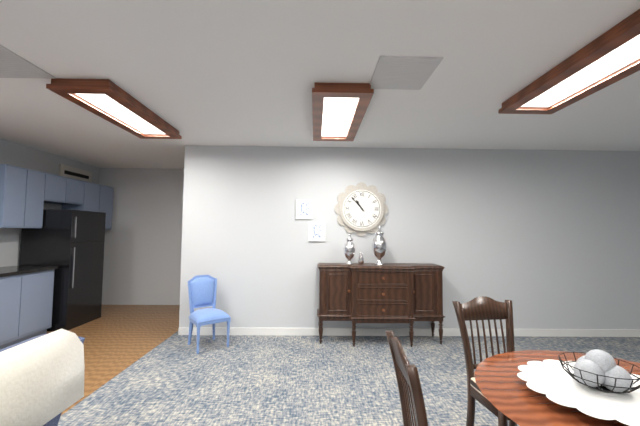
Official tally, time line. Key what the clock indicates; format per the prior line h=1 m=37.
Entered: h=10 m=53
